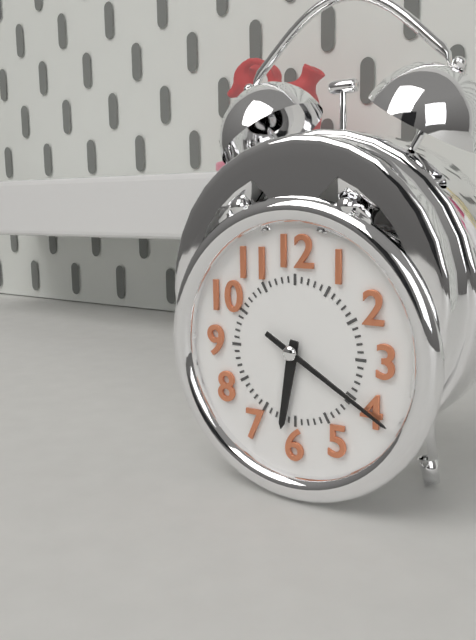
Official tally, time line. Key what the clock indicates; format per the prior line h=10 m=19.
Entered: h=6 m=20
